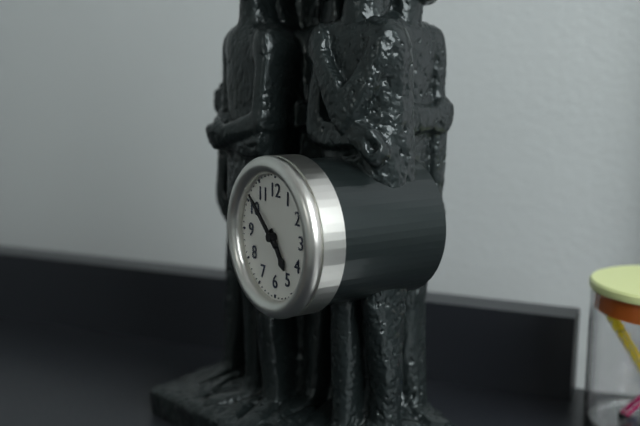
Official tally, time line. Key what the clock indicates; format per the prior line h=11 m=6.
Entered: h=4 m=52
